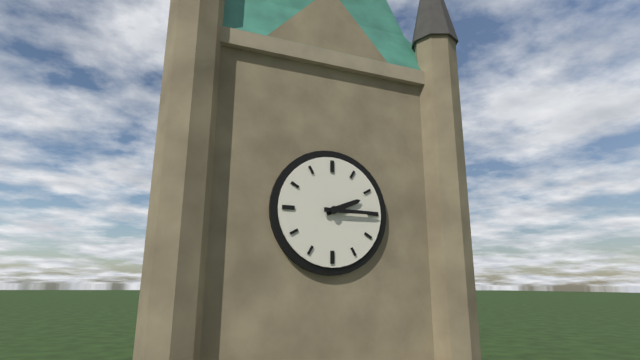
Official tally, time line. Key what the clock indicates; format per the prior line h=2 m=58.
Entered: h=2 m=15
